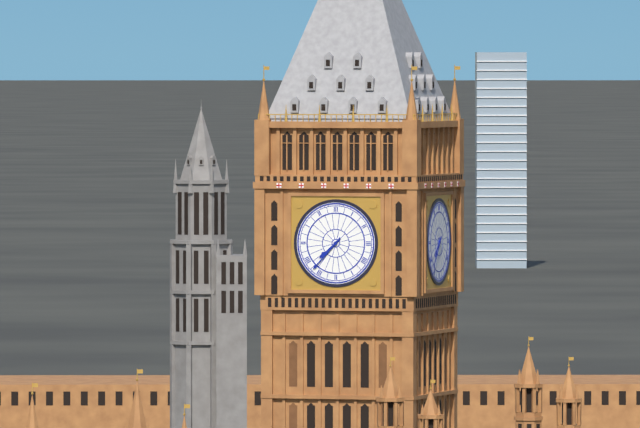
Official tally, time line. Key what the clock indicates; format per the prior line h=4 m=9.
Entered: h=7 m=37
